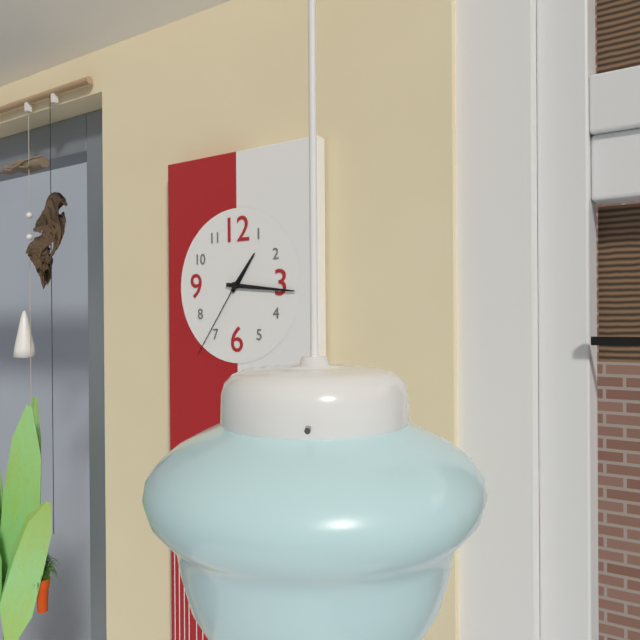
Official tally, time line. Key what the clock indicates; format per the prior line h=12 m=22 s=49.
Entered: h=1 m=16 s=36
